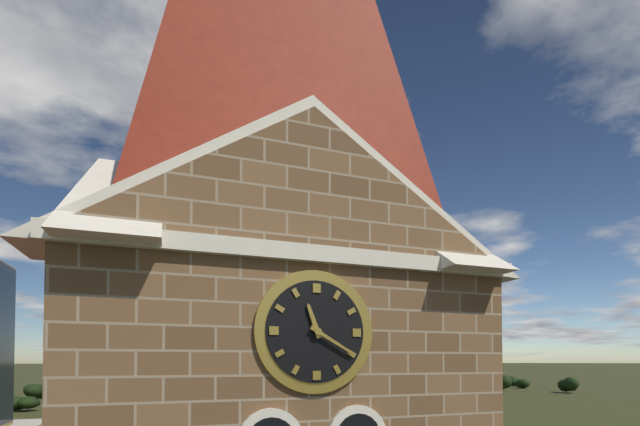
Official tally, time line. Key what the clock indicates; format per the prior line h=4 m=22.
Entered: h=11 m=20
